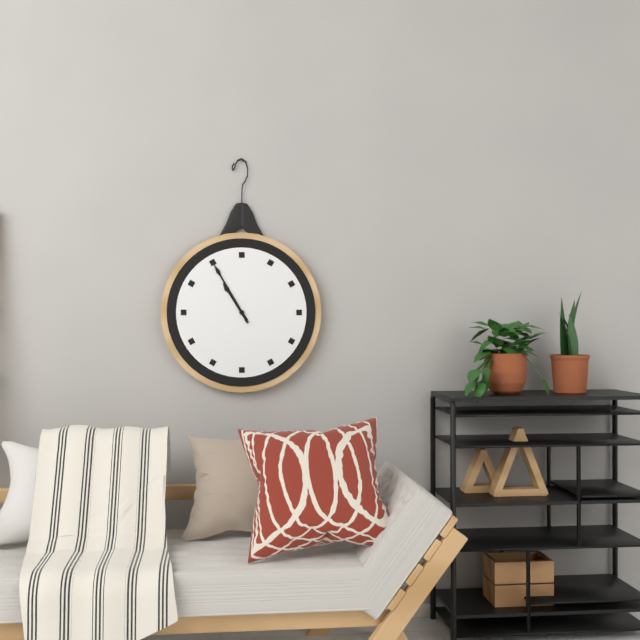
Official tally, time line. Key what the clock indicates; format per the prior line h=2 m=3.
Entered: h=10 m=55
